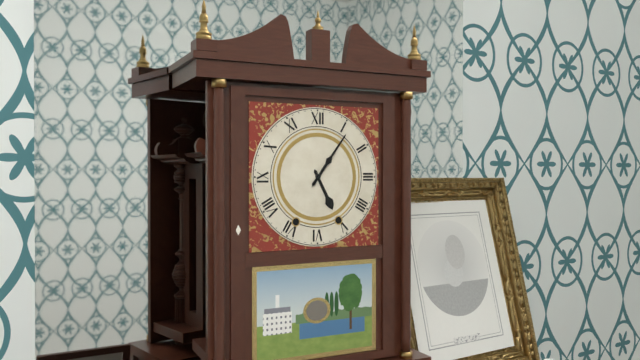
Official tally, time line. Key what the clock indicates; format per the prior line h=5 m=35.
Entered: h=5 m=6
